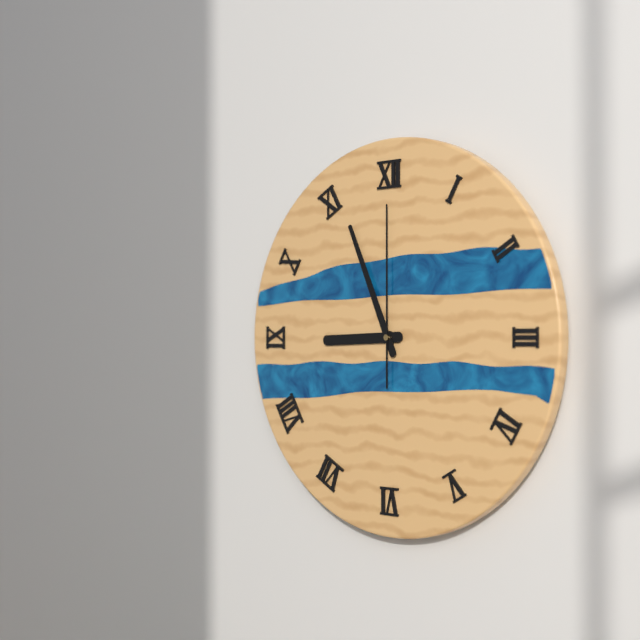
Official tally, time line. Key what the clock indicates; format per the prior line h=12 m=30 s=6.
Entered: h=8 m=56 s=0
